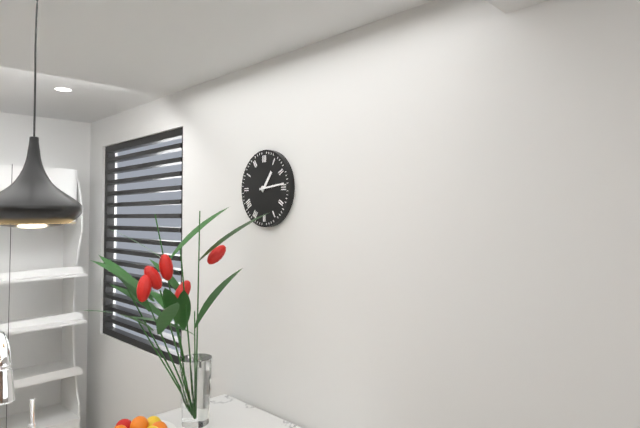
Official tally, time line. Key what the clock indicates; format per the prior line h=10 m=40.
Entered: h=1 m=14
